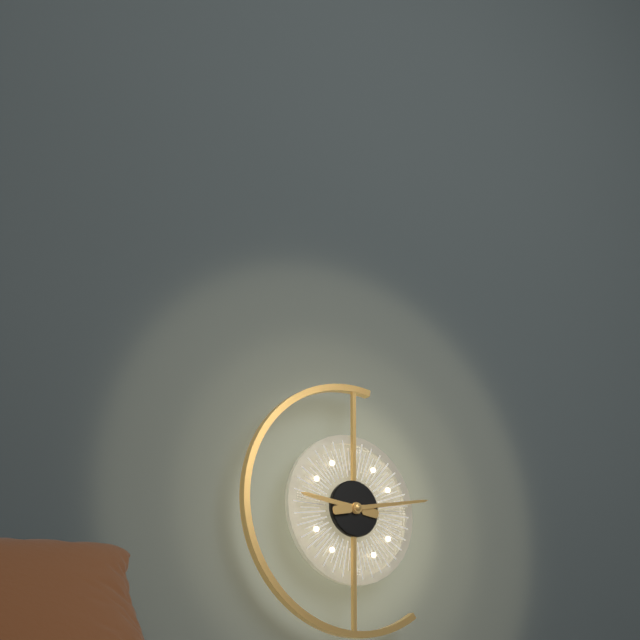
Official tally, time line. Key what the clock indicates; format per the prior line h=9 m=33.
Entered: h=9 m=13
